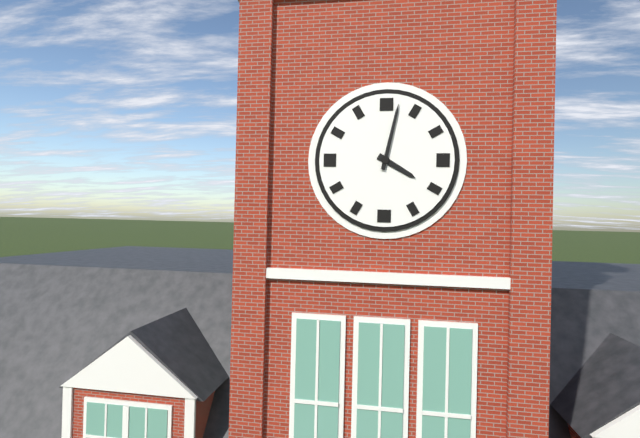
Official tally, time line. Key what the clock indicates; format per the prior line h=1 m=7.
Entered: h=4 m=2
